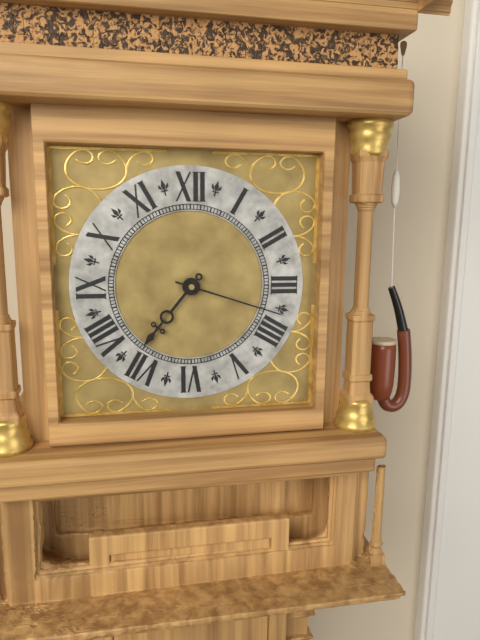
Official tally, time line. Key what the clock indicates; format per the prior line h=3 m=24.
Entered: h=7 m=18
